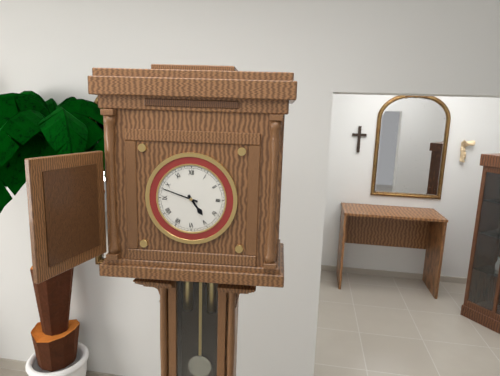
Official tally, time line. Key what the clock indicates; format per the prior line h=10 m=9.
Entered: h=4 m=48
